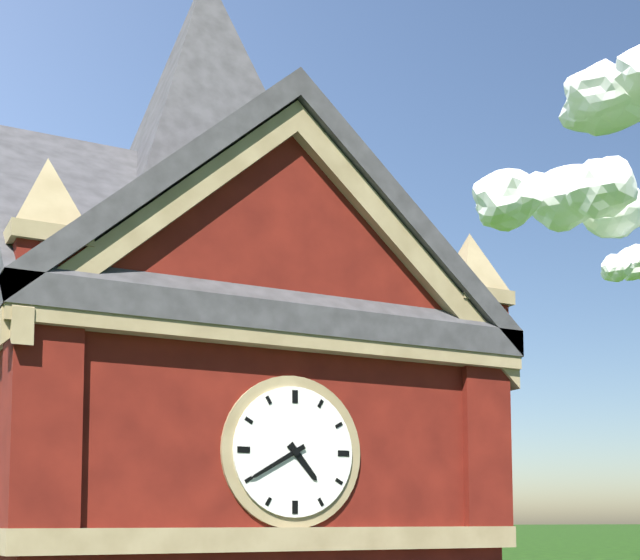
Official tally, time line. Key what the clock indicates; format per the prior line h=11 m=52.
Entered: h=4 m=40
